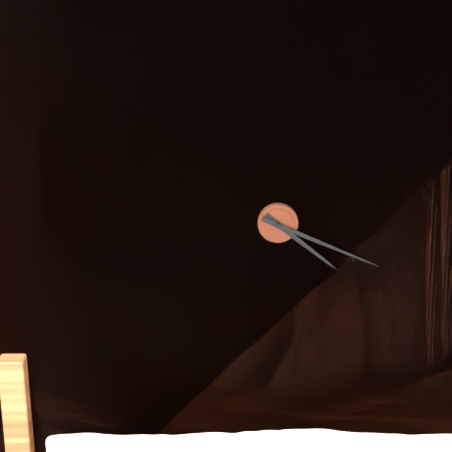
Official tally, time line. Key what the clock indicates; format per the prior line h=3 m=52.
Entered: h=4 m=19
